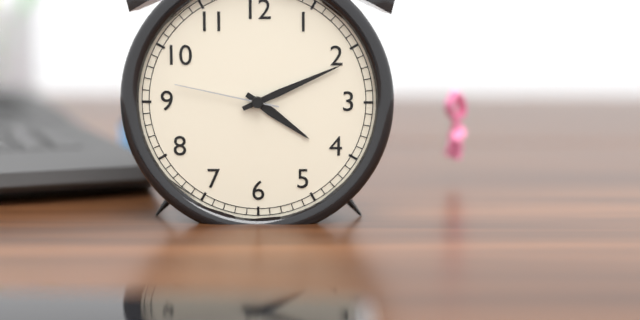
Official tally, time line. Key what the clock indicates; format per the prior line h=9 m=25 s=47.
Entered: h=4 m=11 s=47
